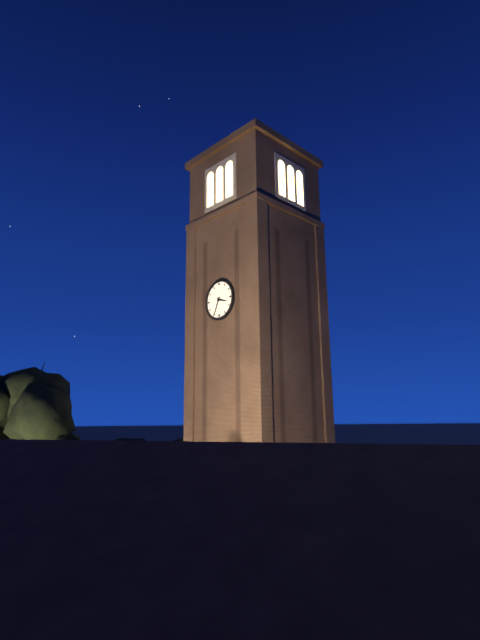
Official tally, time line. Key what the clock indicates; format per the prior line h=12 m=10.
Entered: h=3 m=34
